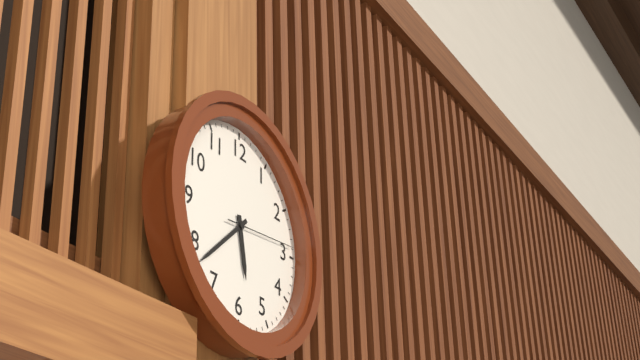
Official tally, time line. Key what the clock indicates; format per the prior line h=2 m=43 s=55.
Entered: h=5 m=38 s=14
